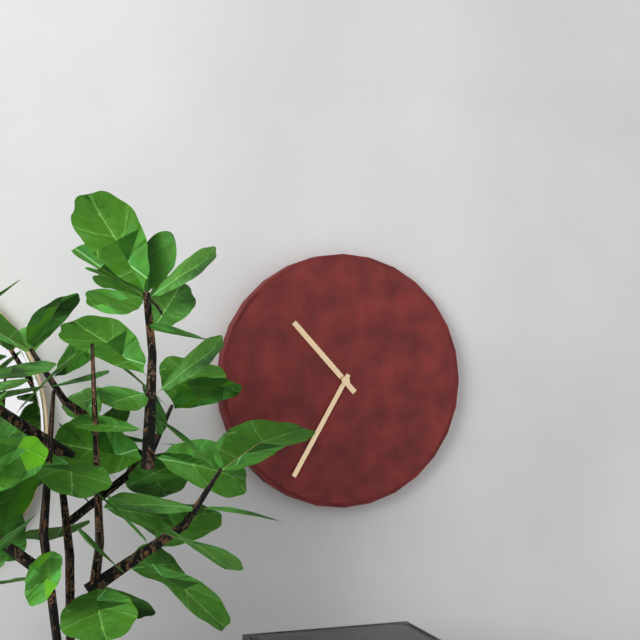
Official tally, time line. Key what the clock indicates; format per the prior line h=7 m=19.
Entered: h=10 m=35
